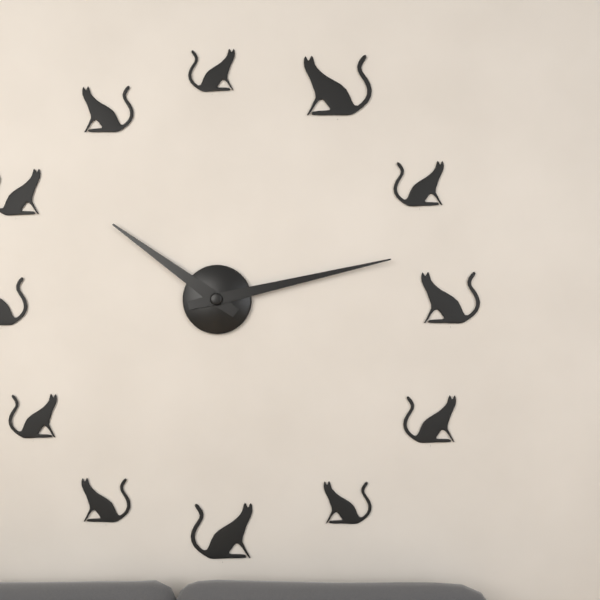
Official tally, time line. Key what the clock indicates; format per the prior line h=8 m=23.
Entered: h=10 m=13
